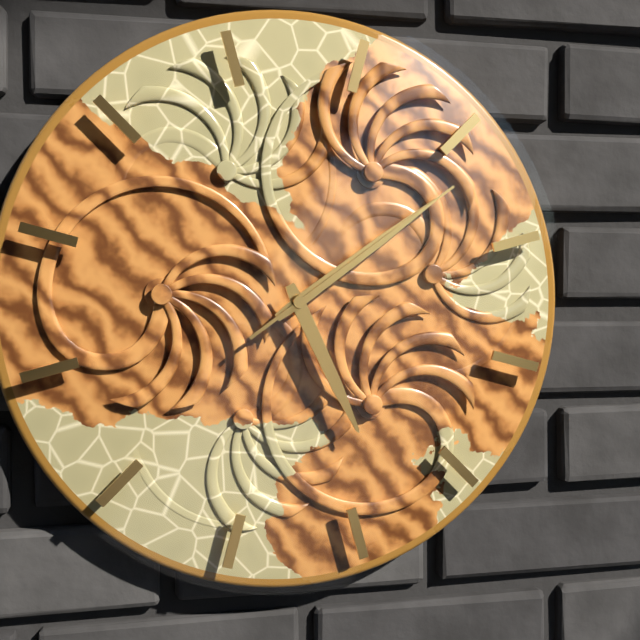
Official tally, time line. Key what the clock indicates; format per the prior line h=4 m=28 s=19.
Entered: h=5 m=9 s=9
